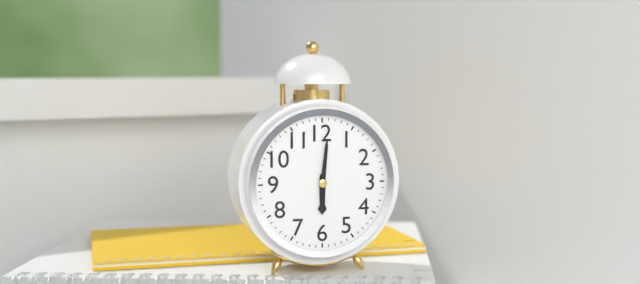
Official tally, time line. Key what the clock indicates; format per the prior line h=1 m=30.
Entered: h=6 m=1
